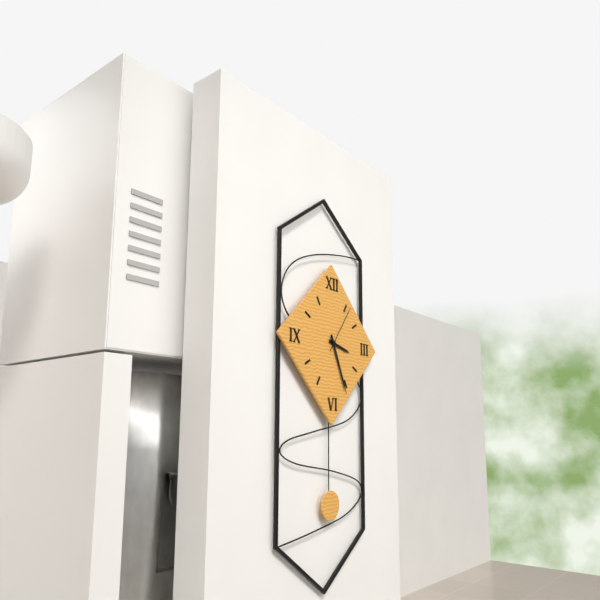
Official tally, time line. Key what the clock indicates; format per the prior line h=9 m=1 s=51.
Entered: h=3 m=26 s=6
